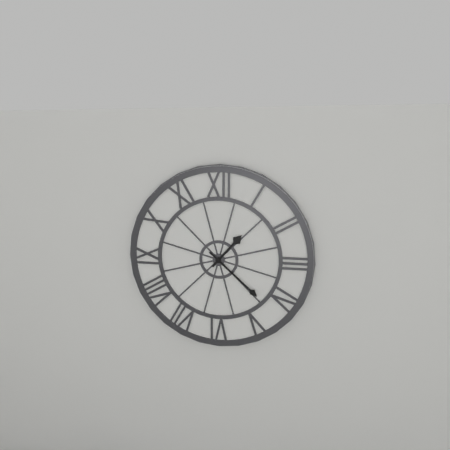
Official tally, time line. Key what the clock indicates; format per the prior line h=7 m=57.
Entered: h=1 m=22
